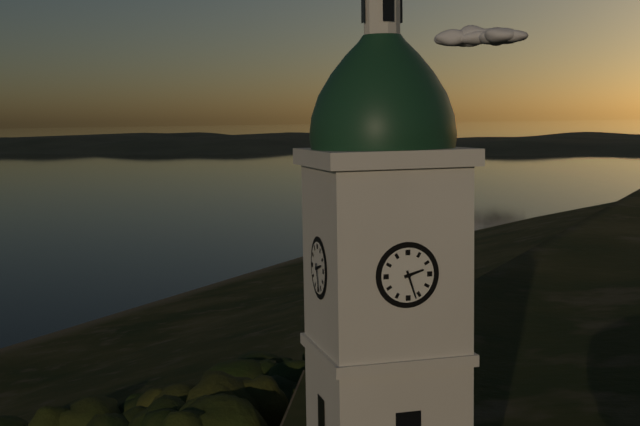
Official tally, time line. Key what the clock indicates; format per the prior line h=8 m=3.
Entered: h=2 m=27
